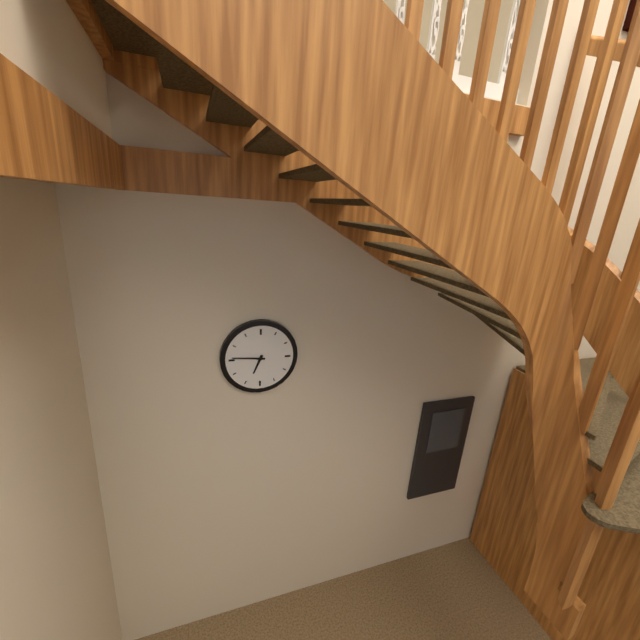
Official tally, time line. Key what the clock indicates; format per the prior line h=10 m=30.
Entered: h=6 m=46
